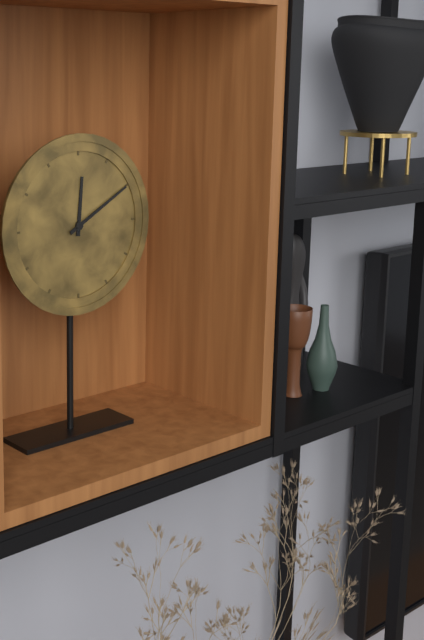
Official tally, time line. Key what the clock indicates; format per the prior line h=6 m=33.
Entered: h=12 m=10
